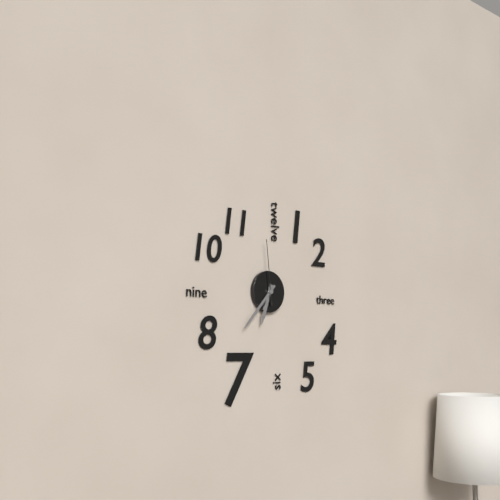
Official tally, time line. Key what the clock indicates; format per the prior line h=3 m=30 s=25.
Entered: h=6 m=37 s=59
